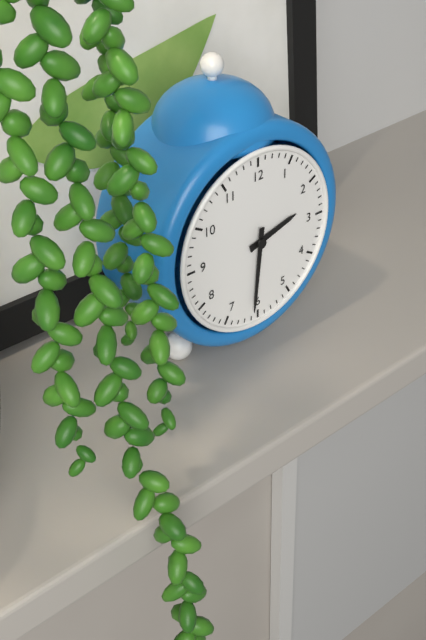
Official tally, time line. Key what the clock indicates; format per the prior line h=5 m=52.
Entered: h=2 m=31
